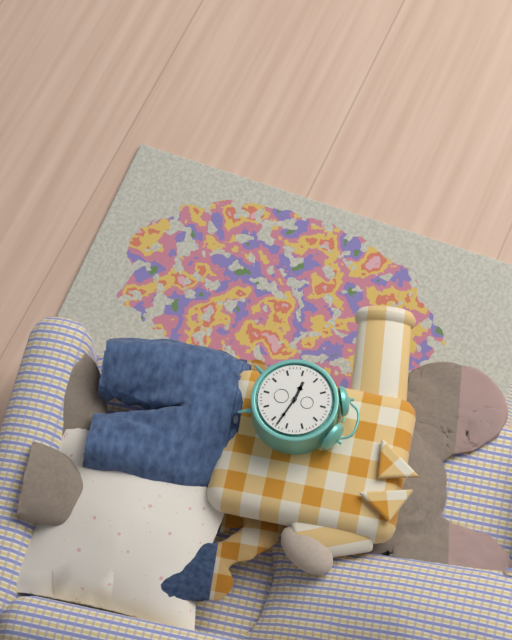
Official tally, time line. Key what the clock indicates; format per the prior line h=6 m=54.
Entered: h=9 m=18
